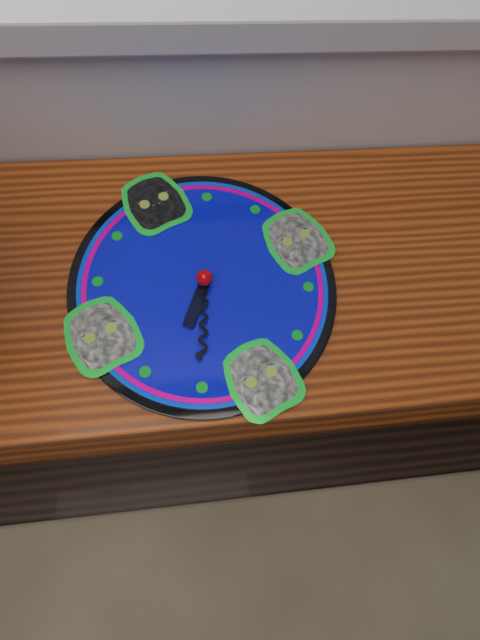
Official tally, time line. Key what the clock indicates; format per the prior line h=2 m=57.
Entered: h=7 m=35
